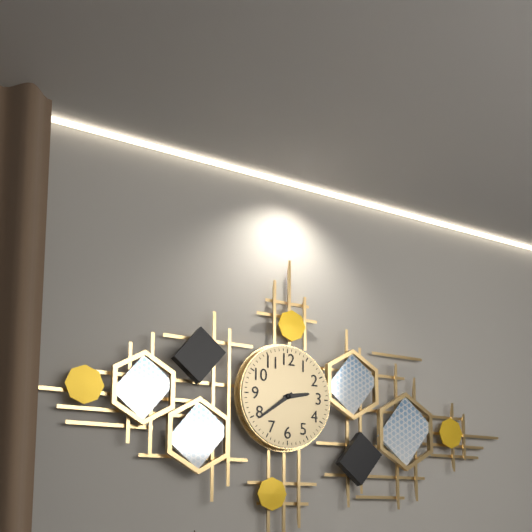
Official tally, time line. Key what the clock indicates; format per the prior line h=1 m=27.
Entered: h=2 m=39
